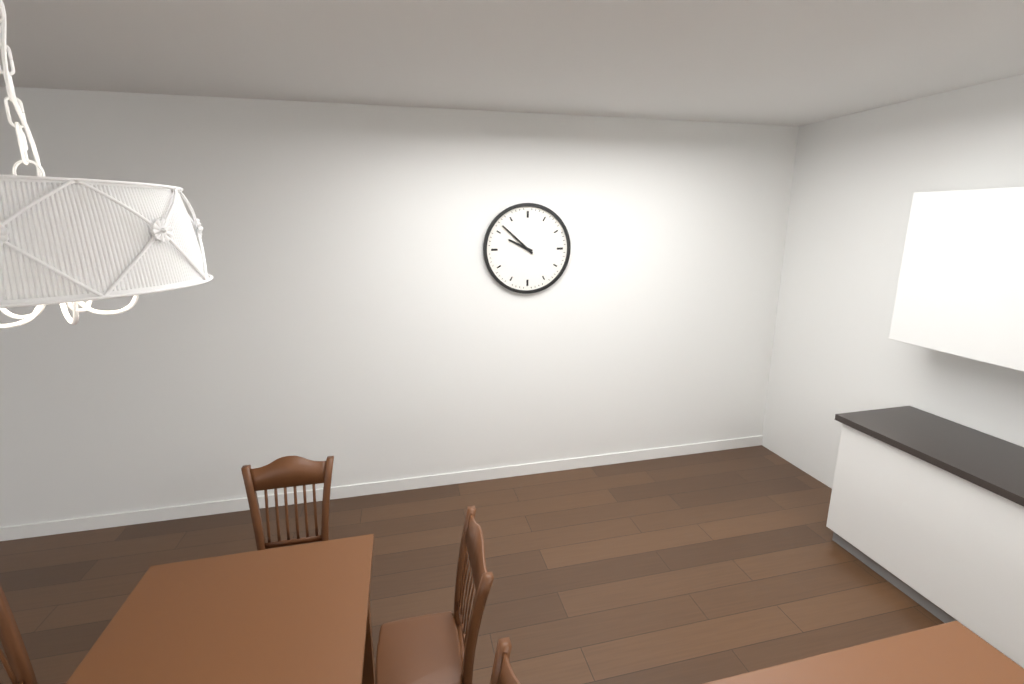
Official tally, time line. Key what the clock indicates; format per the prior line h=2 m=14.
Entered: h=9 m=52
